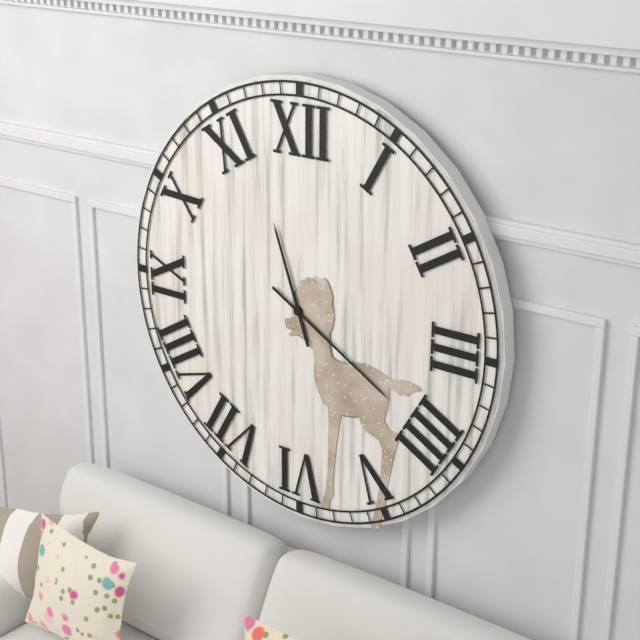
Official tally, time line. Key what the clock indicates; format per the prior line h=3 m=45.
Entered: h=11 m=20
